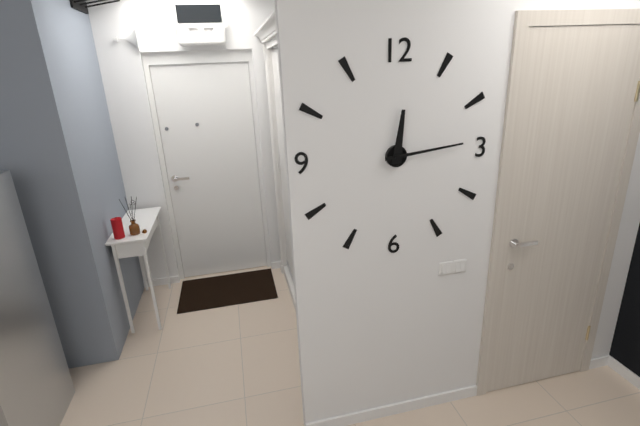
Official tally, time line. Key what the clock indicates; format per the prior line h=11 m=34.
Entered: h=12 m=14
